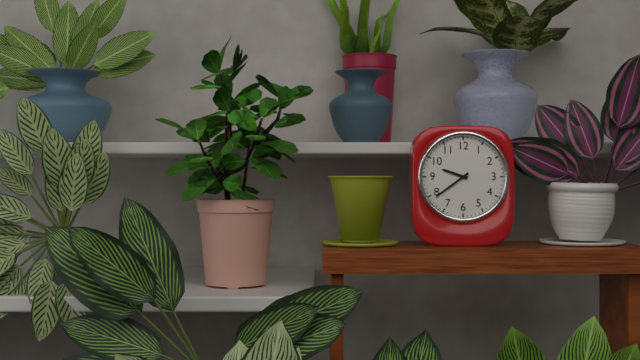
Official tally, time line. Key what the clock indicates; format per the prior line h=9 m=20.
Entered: h=9 m=39
